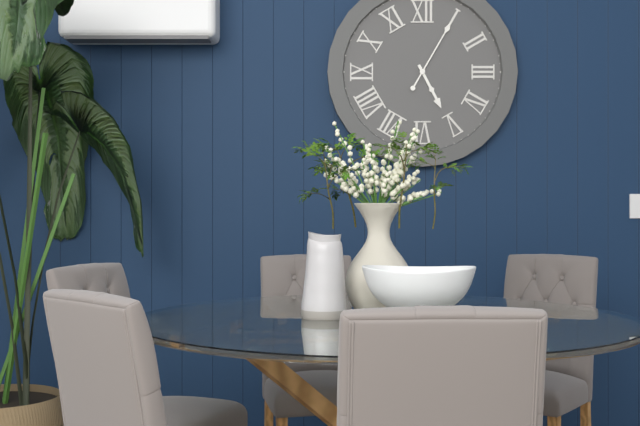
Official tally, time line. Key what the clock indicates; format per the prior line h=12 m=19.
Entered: h=5 m=5
